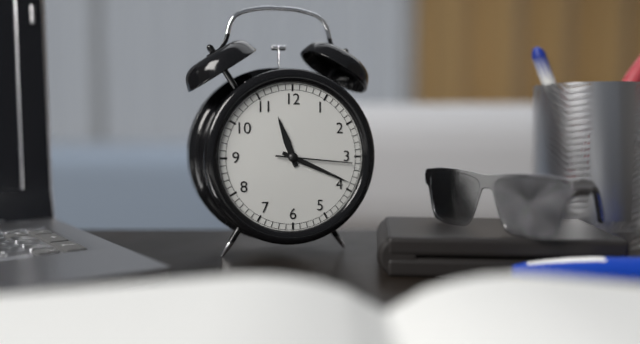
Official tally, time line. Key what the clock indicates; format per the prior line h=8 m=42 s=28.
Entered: h=11 m=19 s=16
